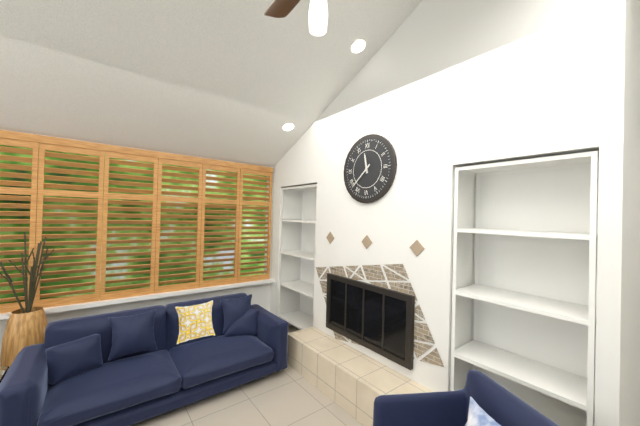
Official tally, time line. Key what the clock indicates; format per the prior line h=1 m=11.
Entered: h=11 m=38
